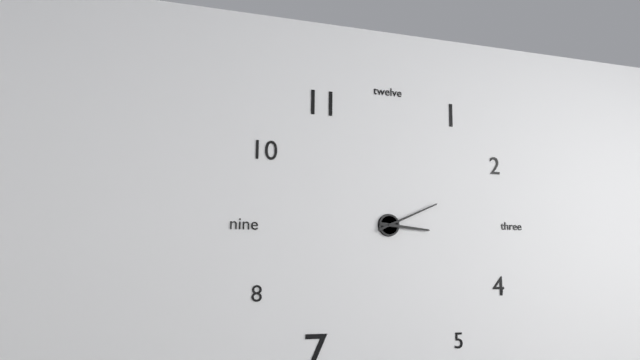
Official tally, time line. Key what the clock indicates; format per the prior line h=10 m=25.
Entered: h=3 m=11
